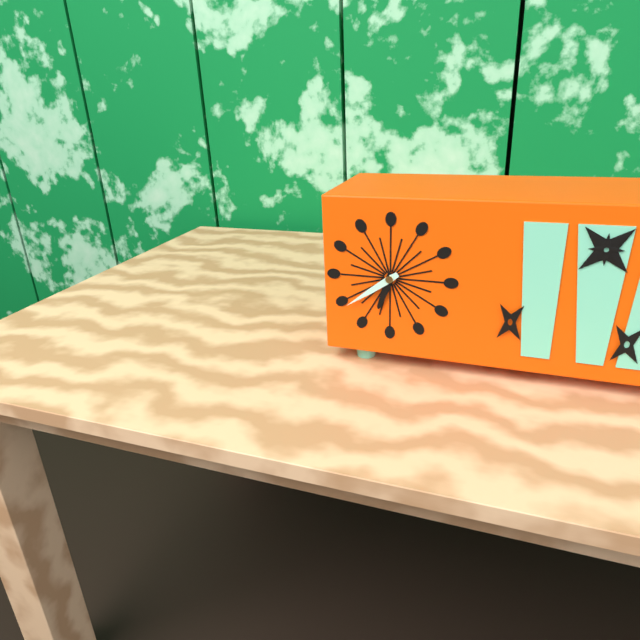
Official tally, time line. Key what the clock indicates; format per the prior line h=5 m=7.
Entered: h=6 m=39
